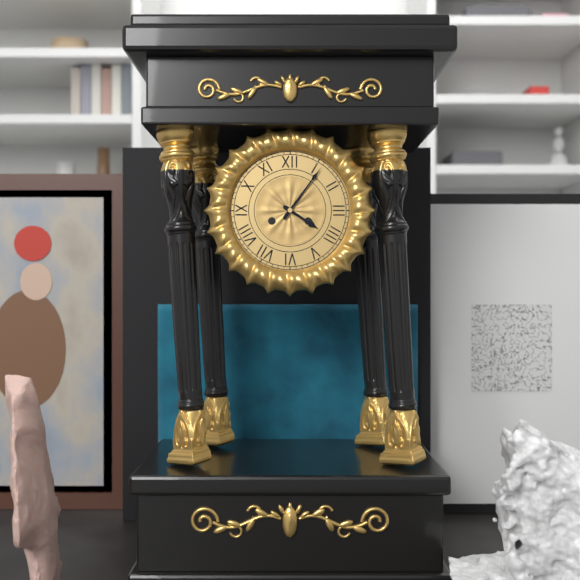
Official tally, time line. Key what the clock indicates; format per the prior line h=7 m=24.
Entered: h=4 m=6
